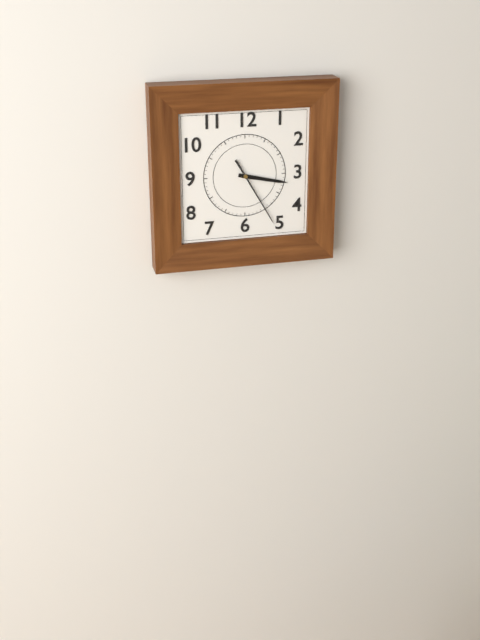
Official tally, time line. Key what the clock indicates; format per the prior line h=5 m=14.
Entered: h=3 m=25
